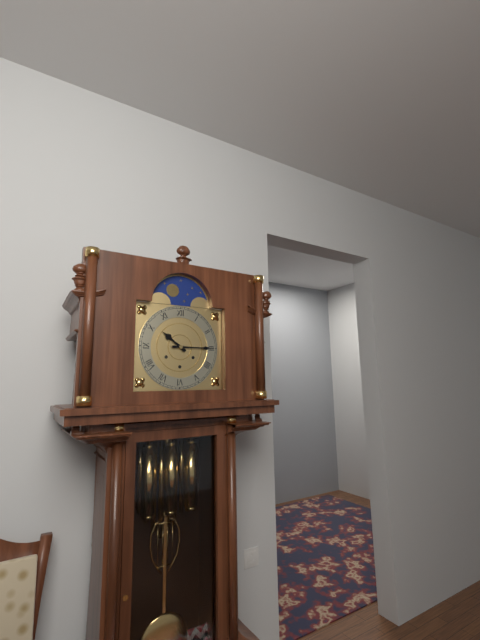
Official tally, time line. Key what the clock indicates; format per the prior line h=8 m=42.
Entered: h=10 m=15
